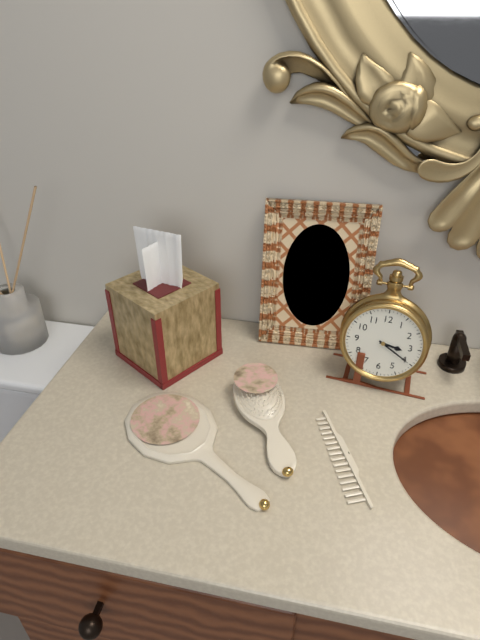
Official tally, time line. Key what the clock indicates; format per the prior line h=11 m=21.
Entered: h=3 m=20
